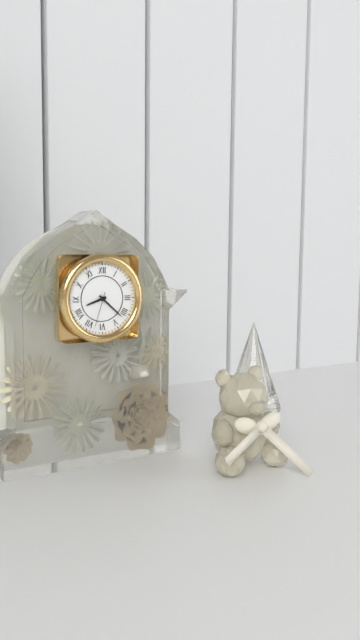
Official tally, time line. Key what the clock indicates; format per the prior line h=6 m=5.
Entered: h=8 m=22
